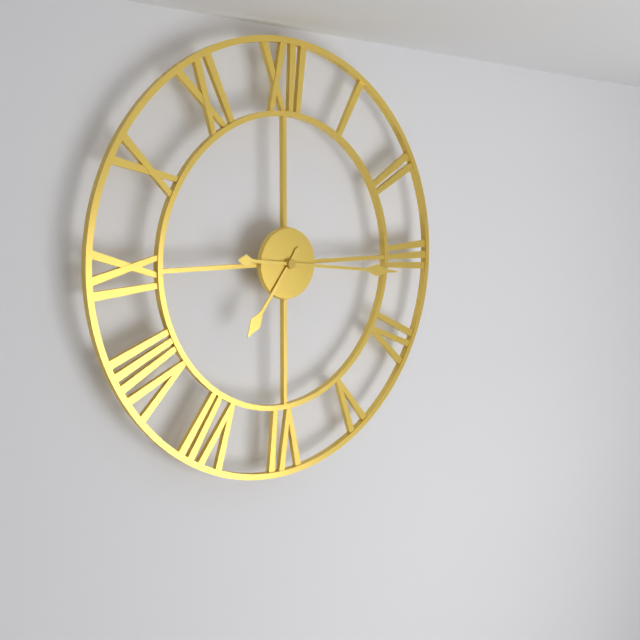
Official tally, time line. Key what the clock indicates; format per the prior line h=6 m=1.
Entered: h=7 m=16
